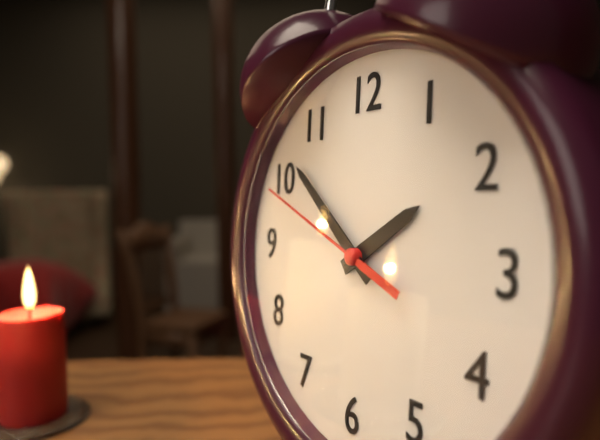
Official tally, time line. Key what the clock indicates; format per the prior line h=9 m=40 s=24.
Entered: h=1 m=52 s=49
